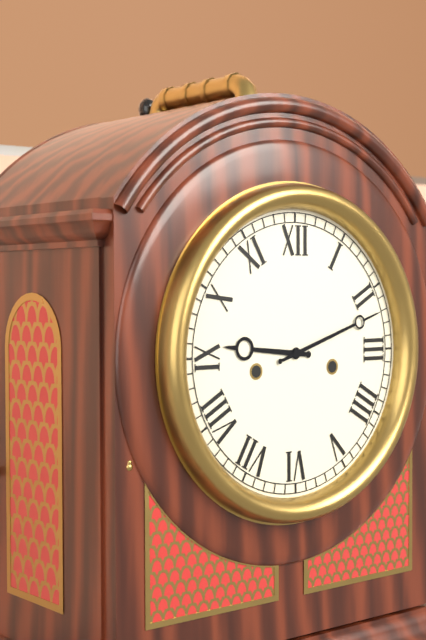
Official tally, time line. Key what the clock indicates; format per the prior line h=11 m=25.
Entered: h=9 m=12
